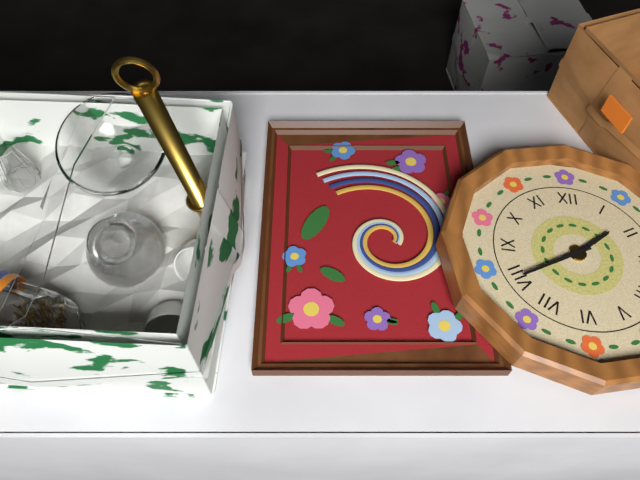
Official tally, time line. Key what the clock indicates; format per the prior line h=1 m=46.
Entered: h=1 m=40
